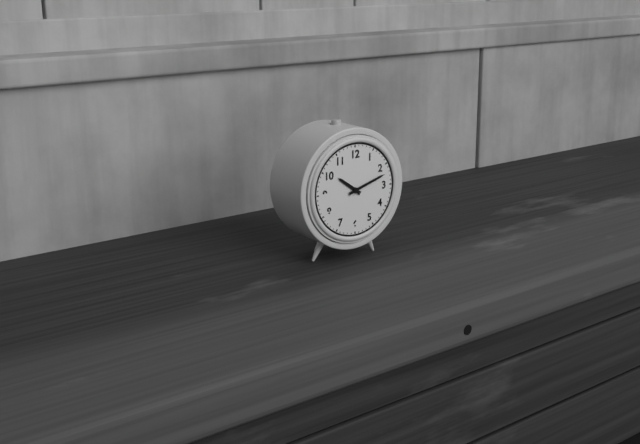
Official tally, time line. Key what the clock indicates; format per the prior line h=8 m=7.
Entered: h=10 m=12
